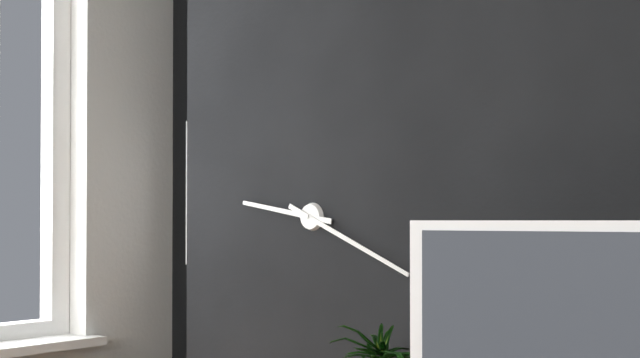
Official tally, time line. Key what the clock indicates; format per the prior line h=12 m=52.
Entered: h=9 m=19
